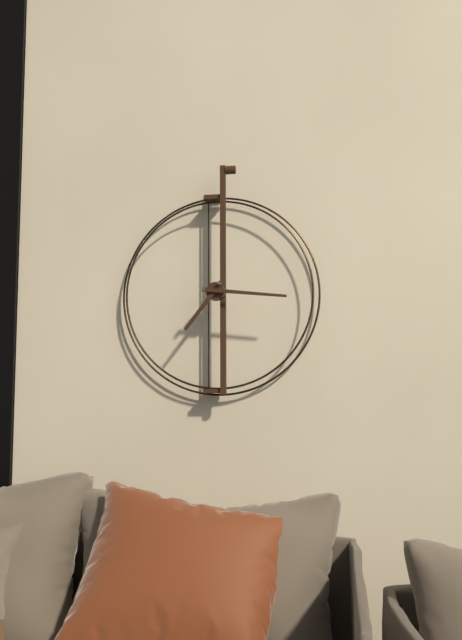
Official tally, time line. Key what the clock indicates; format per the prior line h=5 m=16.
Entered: h=7 m=16
